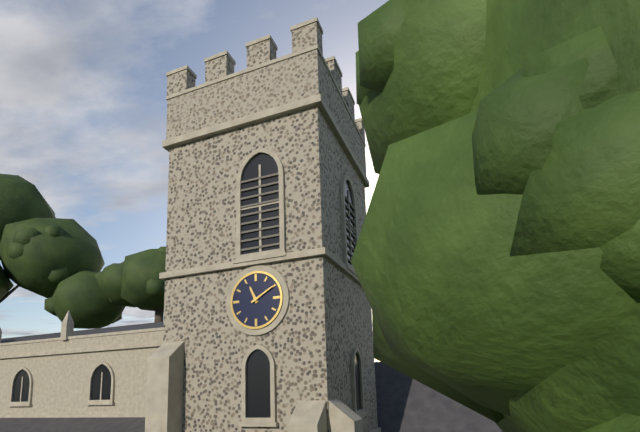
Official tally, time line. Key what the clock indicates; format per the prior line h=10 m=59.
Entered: h=11 m=10
